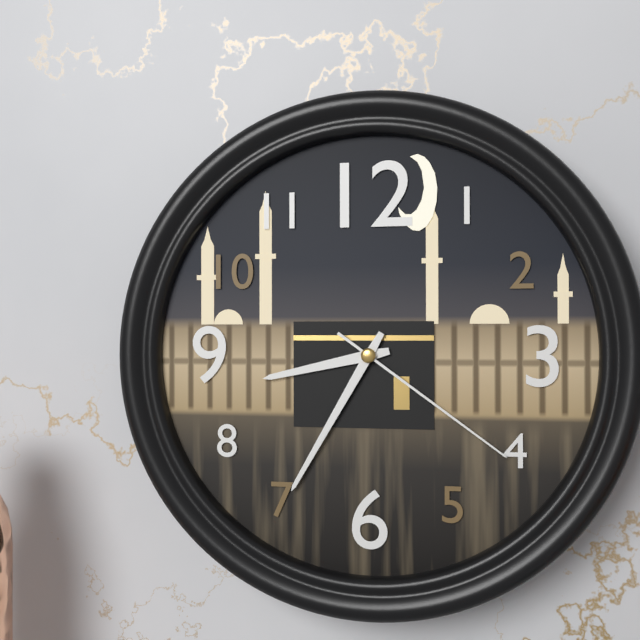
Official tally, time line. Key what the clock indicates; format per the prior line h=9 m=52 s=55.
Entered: h=8 m=35 s=21
